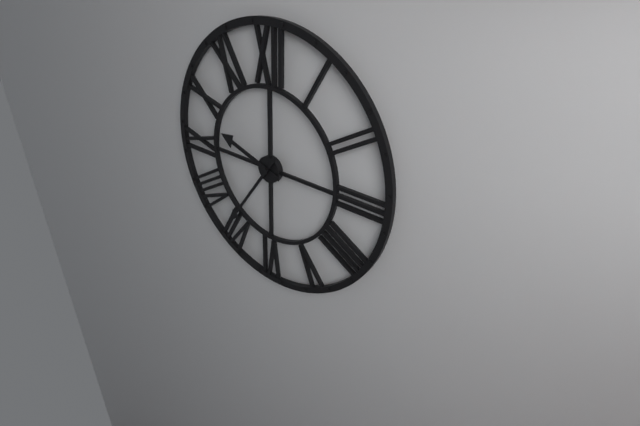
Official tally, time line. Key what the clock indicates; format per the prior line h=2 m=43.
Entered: h=9 m=36
